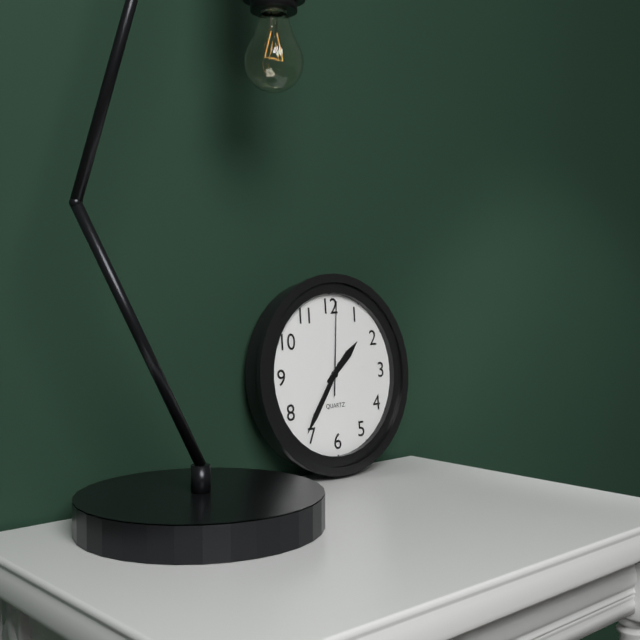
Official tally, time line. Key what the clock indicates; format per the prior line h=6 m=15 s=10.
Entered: h=1 m=36 s=1
